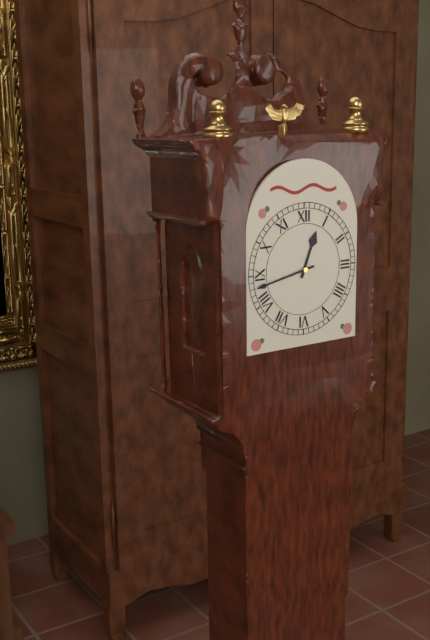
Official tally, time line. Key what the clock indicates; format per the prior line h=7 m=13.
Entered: h=12 m=43
